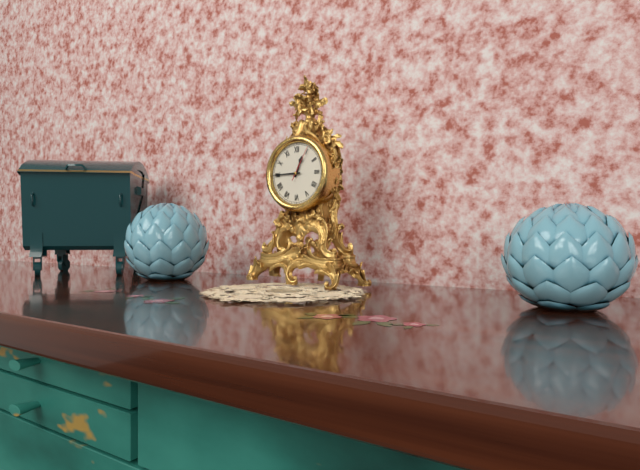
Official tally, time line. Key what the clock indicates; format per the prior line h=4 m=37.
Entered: h=12 m=45
